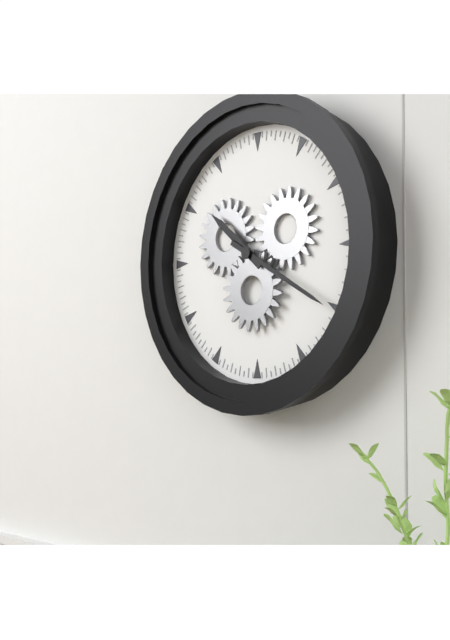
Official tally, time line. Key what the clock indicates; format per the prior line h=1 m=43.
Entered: h=10 m=20
